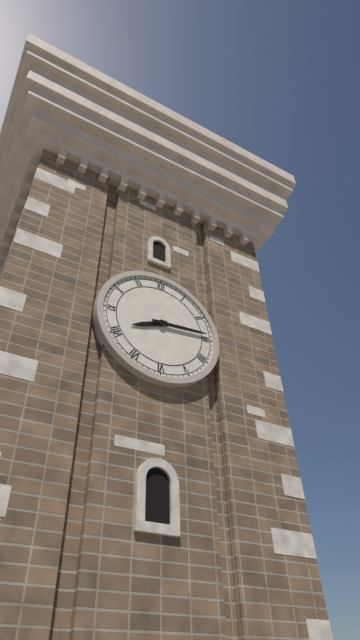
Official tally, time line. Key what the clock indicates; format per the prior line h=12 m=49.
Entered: h=8 m=14
